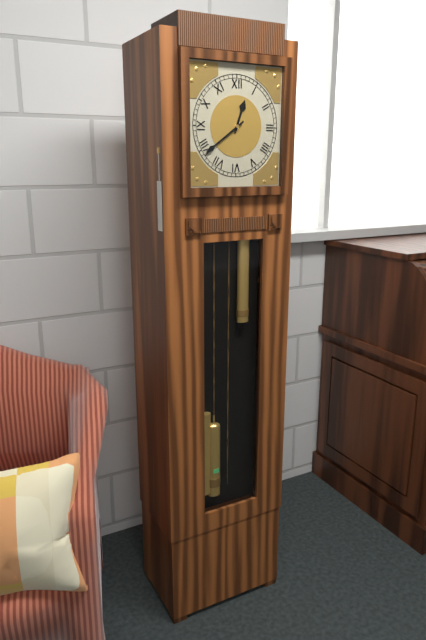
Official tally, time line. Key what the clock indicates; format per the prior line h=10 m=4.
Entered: h=12 m=39
